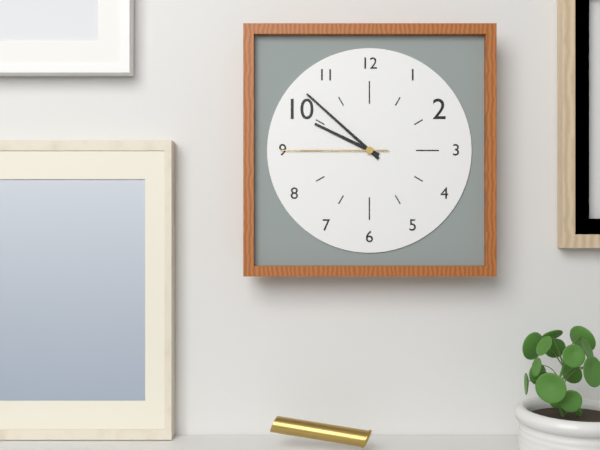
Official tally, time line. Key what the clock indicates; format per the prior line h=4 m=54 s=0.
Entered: h=9 m=52 s=45
